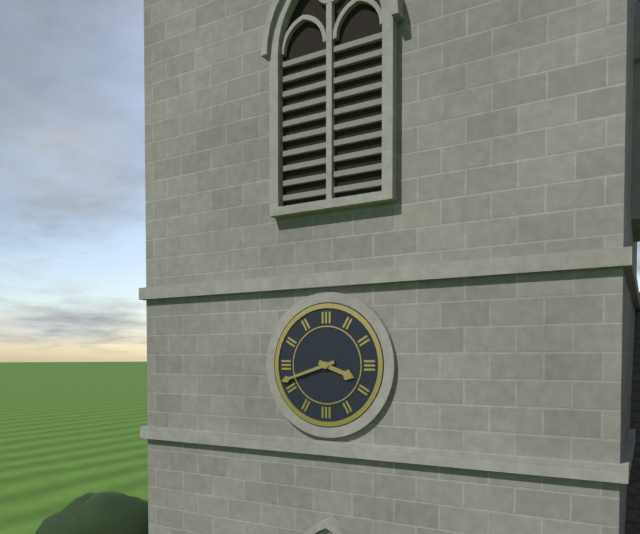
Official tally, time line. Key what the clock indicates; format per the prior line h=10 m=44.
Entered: h=3 m=42
